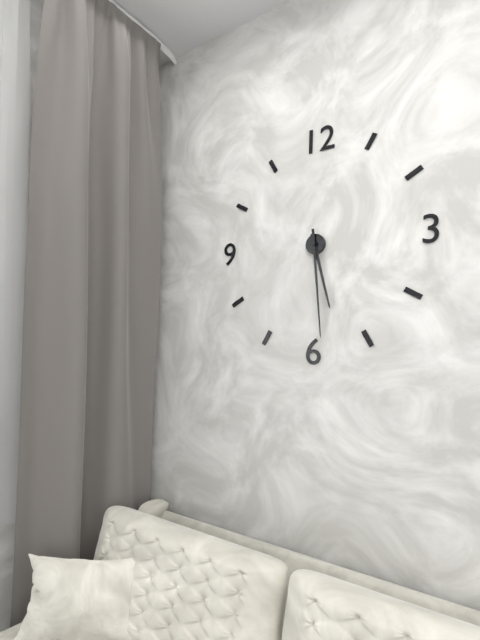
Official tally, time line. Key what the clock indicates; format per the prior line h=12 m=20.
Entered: h=5 m=29
